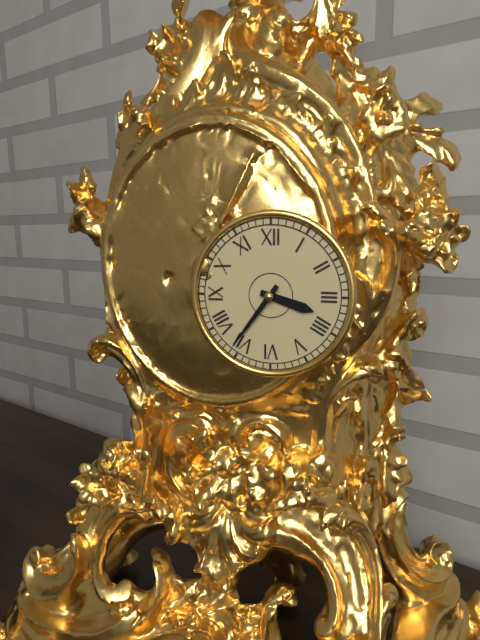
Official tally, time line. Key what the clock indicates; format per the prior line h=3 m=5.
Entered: h=3 m=36
